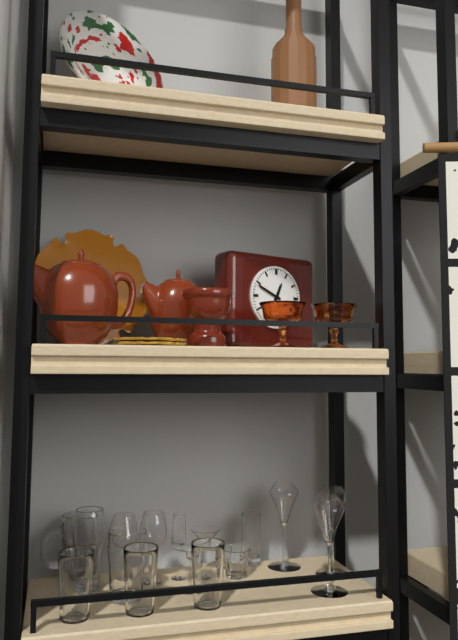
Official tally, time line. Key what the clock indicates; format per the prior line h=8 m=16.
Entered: h=12 m=49
